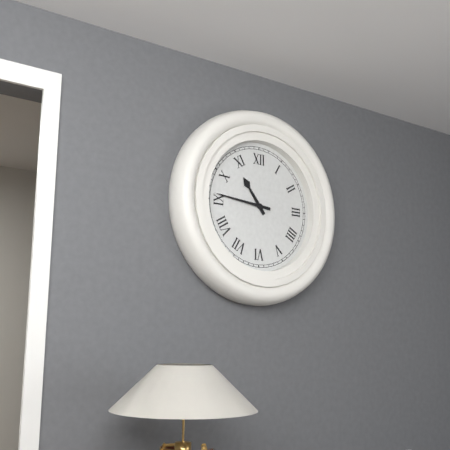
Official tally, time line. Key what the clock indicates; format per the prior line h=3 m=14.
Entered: h=10 m=46
